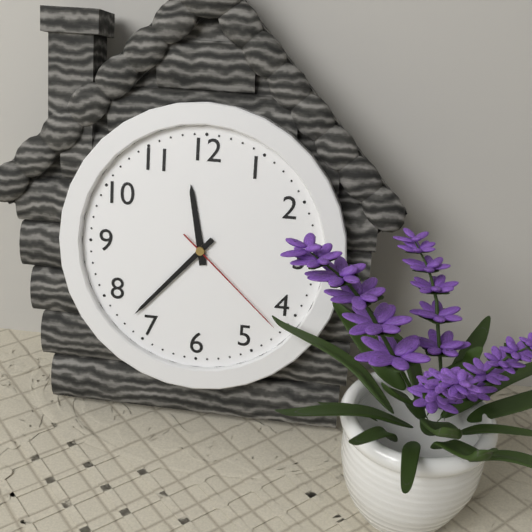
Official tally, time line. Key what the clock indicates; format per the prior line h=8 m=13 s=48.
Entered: h=11 m=37 s=22
